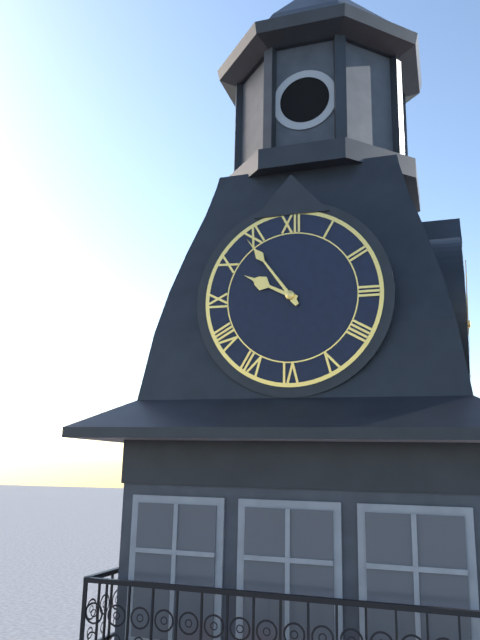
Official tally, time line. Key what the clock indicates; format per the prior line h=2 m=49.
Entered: h=9 m=54
